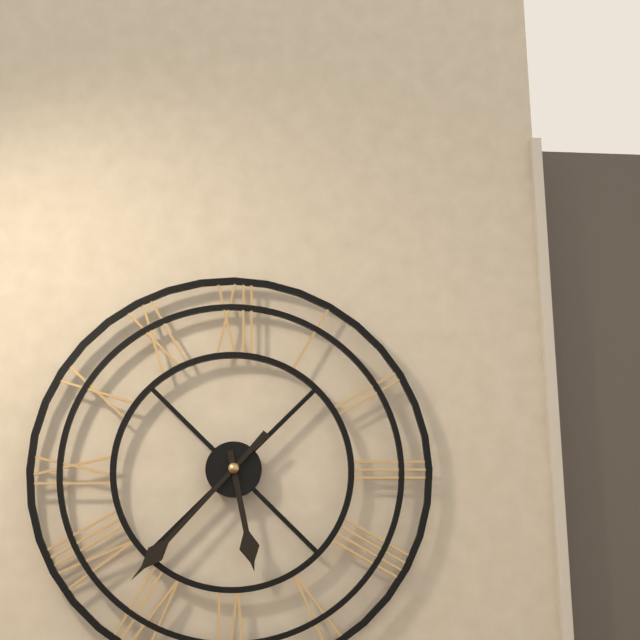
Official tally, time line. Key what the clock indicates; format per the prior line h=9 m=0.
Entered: h=5 m=37
